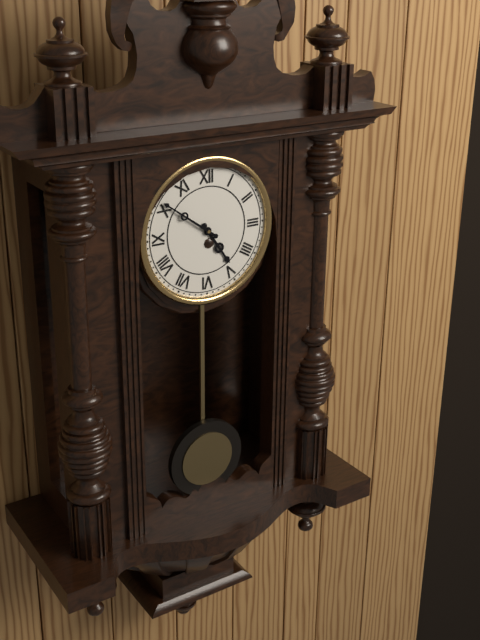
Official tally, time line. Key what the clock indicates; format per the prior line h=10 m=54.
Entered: h=4 m=51
